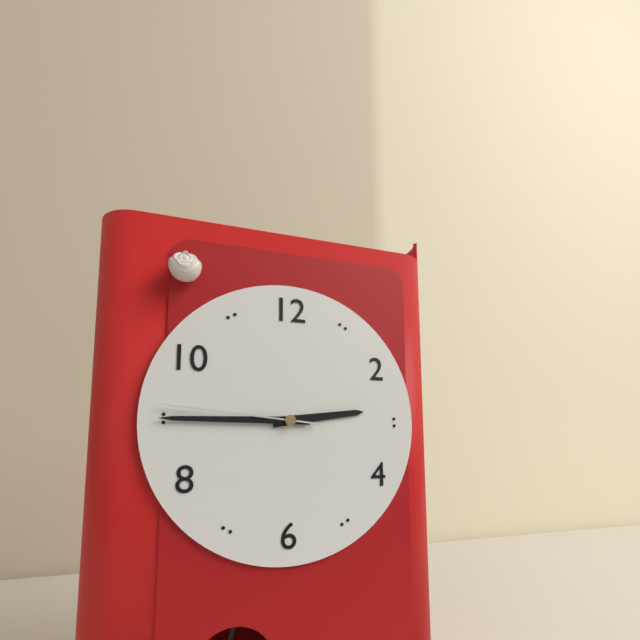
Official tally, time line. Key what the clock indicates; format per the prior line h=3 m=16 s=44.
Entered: h=2 m=45 s=46
